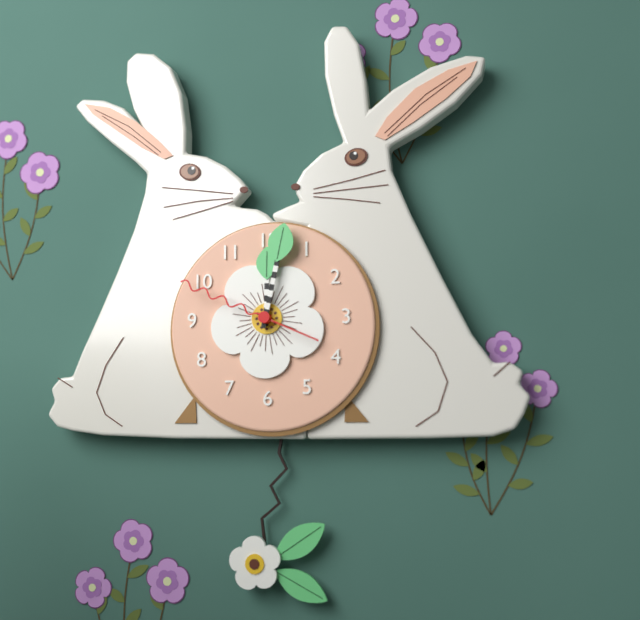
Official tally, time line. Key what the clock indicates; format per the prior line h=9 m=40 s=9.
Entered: h=12 m=2 s=49
